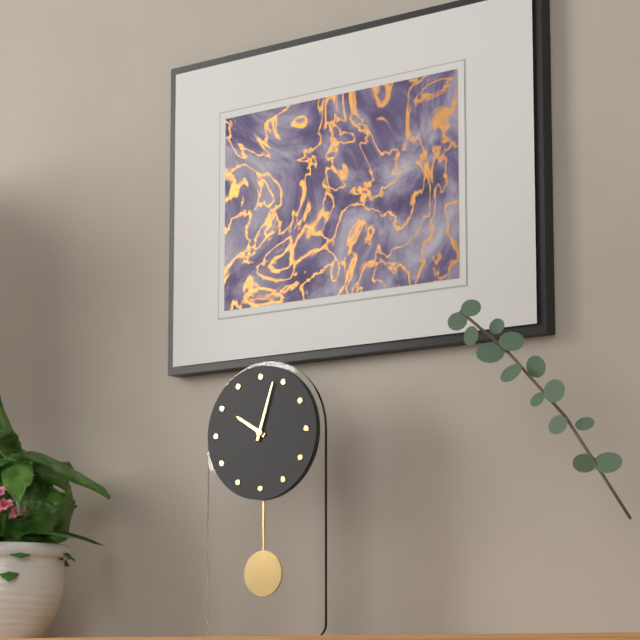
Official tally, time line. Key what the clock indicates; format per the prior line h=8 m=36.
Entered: h=10 m=3
